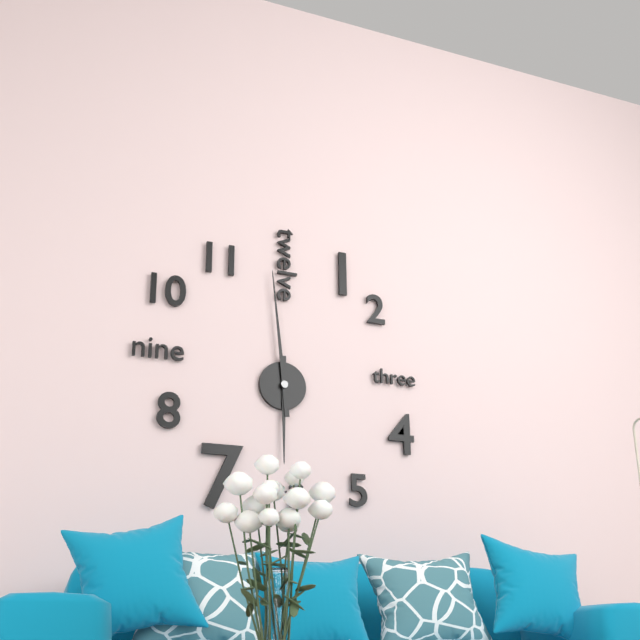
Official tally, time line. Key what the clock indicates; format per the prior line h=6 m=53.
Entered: h=5 m=59
